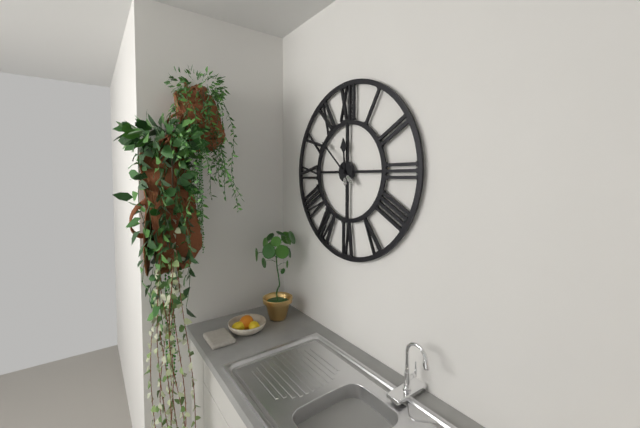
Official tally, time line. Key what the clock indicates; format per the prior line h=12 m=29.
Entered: h=11 m=52
